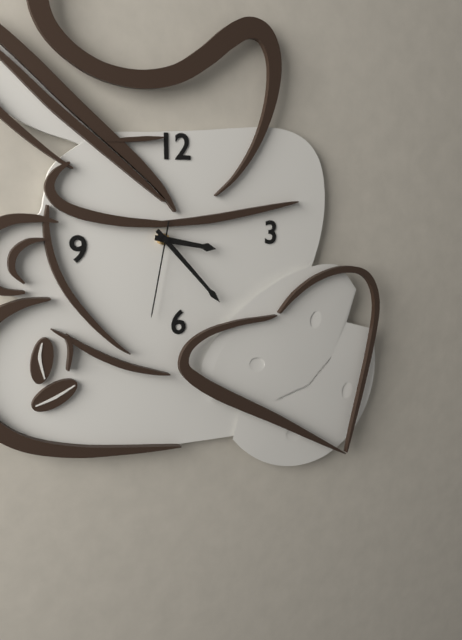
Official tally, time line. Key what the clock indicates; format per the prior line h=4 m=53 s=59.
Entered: h=3 m=23 s=32
